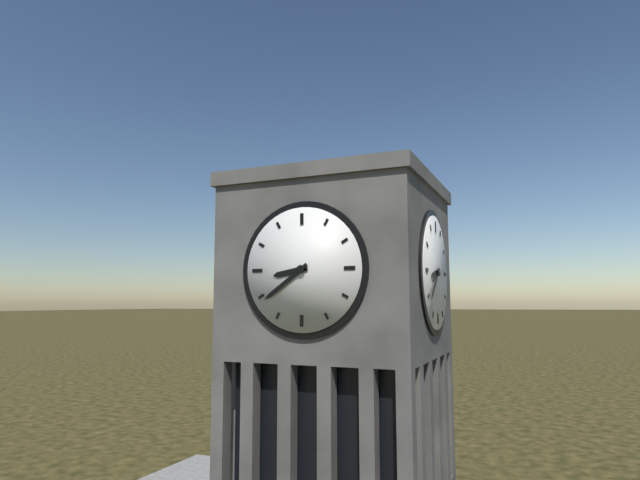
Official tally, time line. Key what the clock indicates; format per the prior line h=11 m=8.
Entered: h=8 m=39
